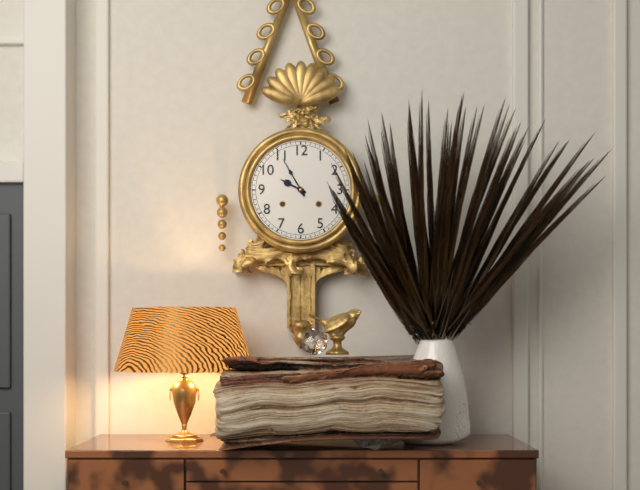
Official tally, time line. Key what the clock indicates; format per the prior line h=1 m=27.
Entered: h=9 m=55
